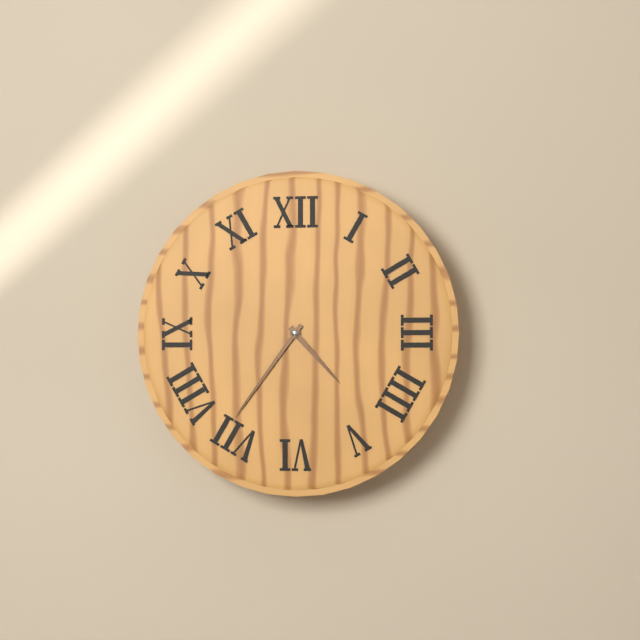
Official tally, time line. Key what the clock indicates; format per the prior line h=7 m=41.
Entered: h=4 m=36
